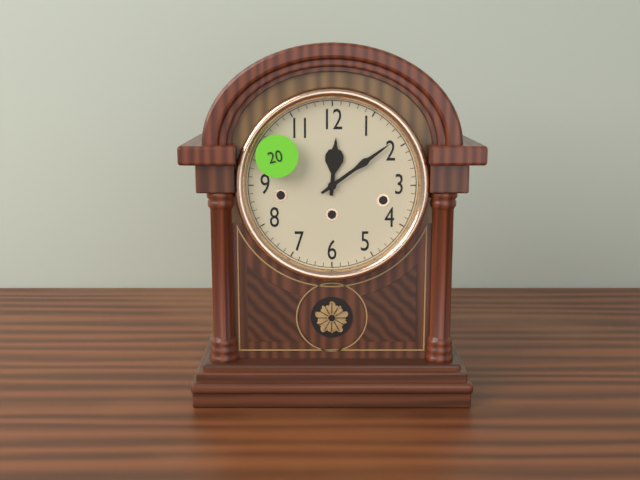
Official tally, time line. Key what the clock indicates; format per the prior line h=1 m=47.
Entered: h=12 m=9
